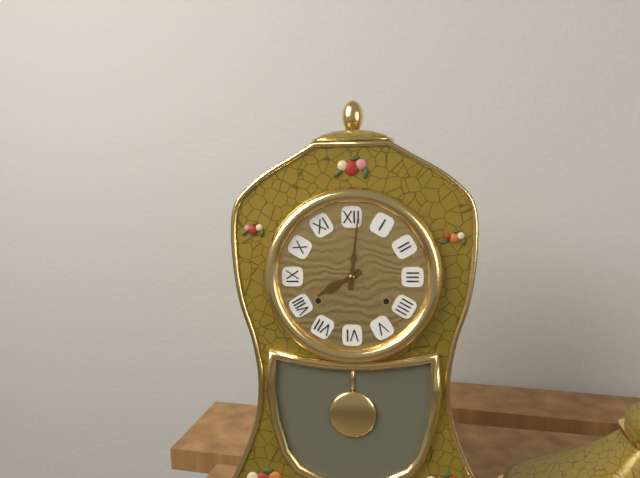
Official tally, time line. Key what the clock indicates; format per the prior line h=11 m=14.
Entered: h=8 m=1
